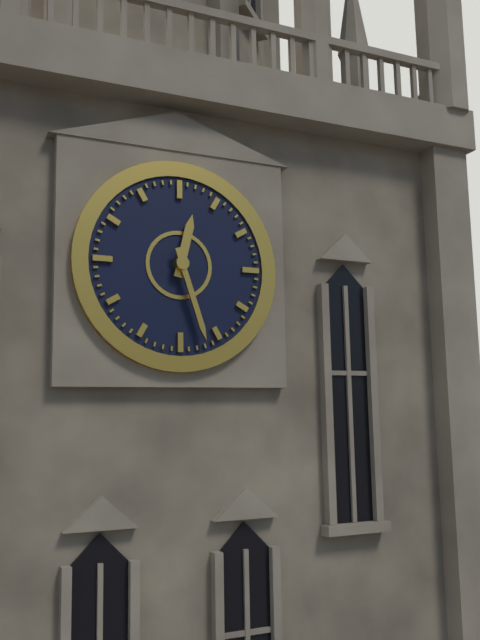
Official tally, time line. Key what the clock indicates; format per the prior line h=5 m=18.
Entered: h=12 m=27
